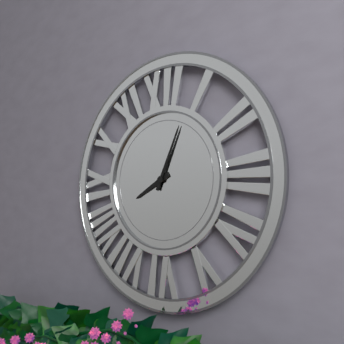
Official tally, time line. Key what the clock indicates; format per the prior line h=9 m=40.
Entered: h=8 m=4
